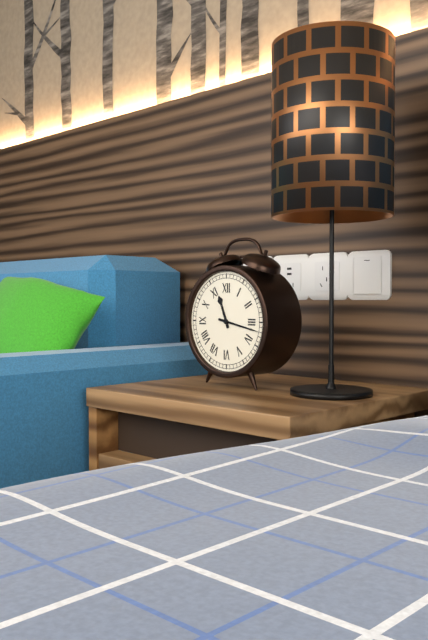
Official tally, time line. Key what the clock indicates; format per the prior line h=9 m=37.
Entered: h=11 m=17
